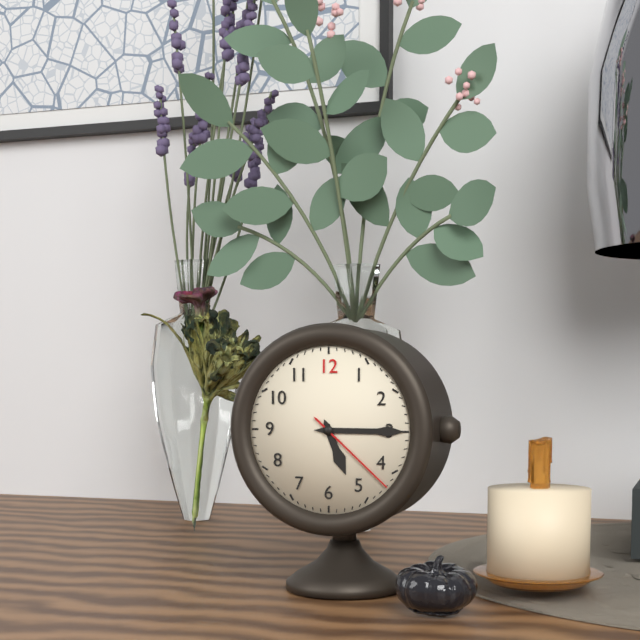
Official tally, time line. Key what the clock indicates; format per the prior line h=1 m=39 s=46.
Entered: h=5 m=15 s=22
